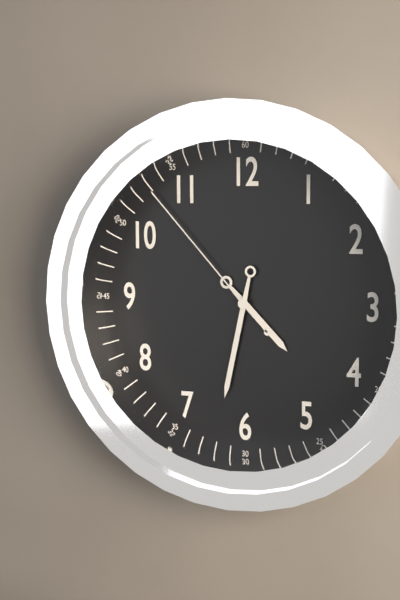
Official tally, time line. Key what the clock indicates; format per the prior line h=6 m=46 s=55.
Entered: h=4 m=32 s=53
